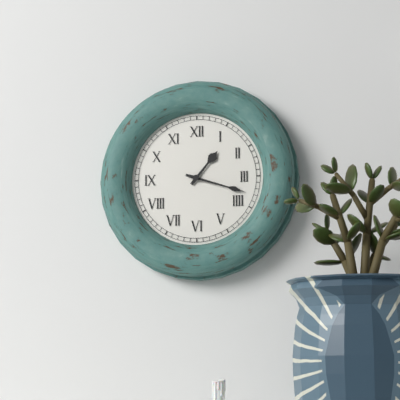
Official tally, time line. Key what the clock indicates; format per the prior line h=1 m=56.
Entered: h=1 m=18
